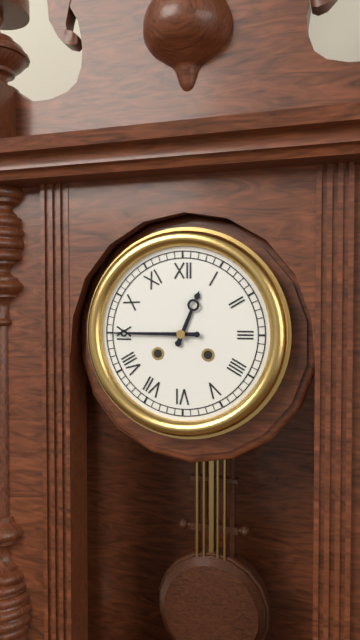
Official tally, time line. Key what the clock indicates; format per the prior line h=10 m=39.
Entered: h=12 m=45
